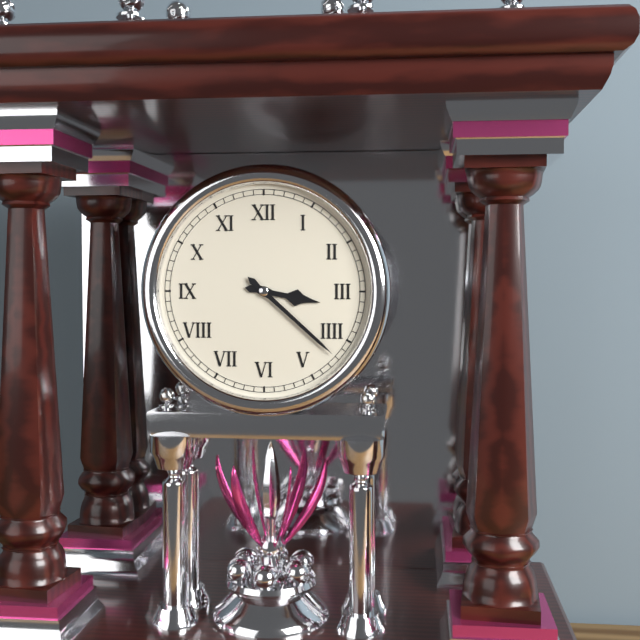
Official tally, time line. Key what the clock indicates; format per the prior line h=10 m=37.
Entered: h=3 m=22
